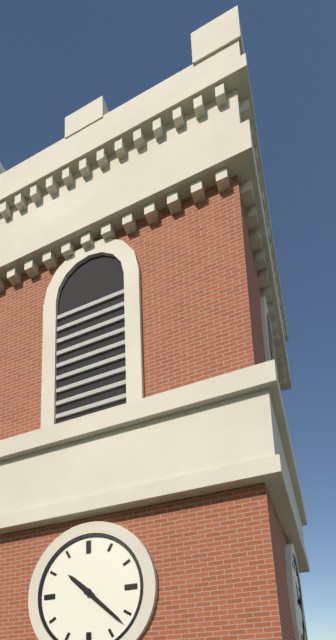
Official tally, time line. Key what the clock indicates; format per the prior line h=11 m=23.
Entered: h=10 m=22
